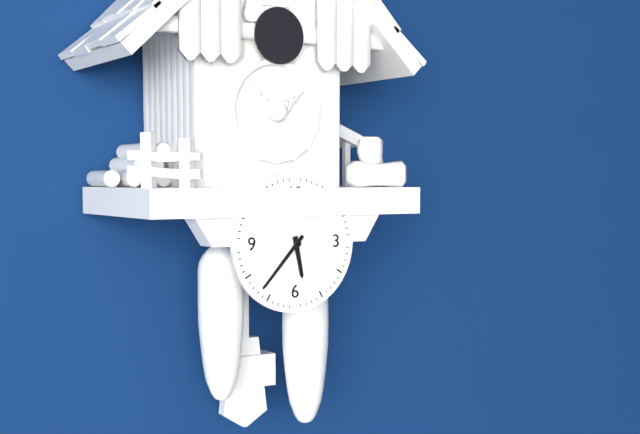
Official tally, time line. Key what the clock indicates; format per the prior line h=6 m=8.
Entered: h=5 m=37
